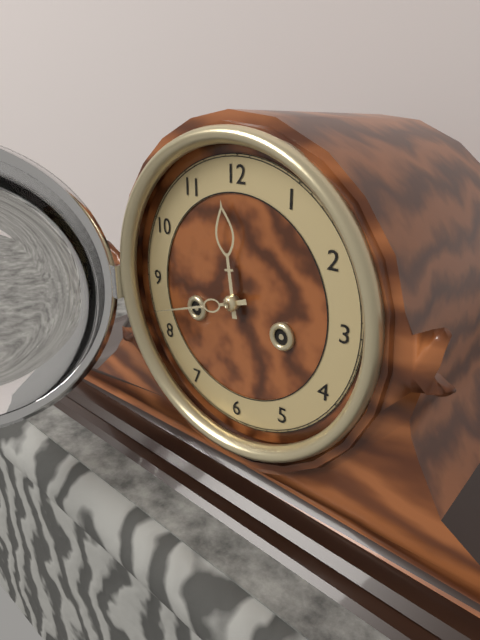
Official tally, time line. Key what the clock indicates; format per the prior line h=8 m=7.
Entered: h=11 m=42
